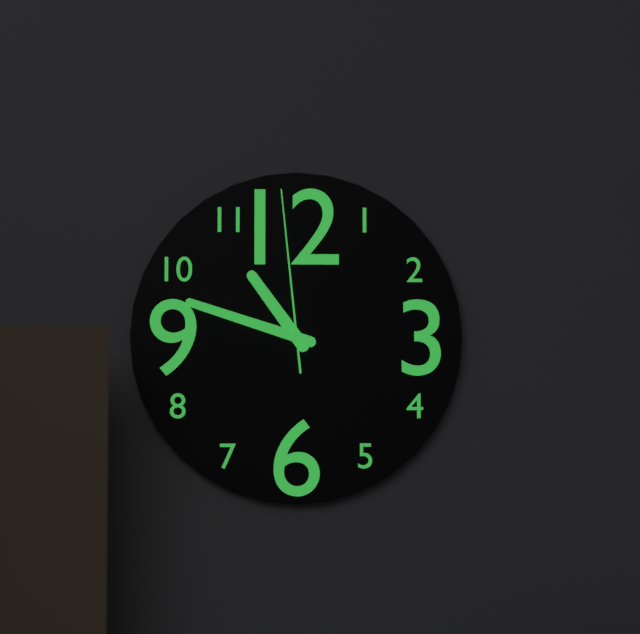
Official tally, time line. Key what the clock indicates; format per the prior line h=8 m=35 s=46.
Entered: h=10 m=48 s=59
